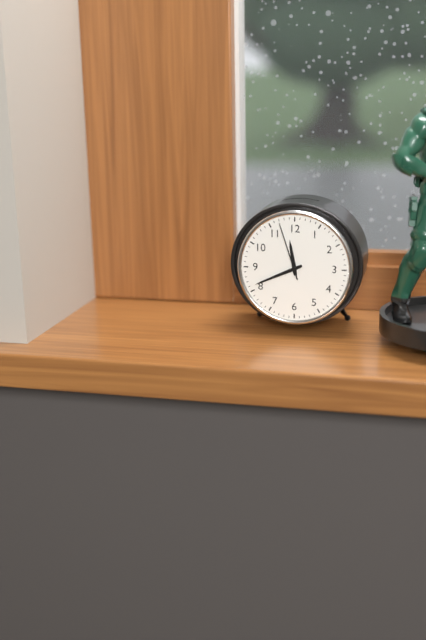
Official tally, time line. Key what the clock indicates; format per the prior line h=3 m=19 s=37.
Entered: h=11 m=41 s=57
